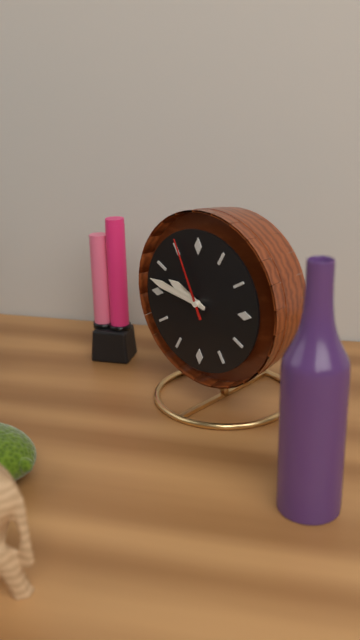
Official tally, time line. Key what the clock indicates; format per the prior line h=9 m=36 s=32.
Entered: h=9 m=47 s=56
